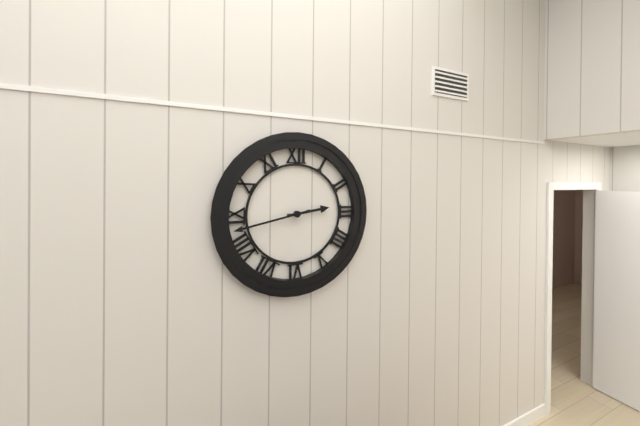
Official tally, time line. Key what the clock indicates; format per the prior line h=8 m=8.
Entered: h=2 m=43
